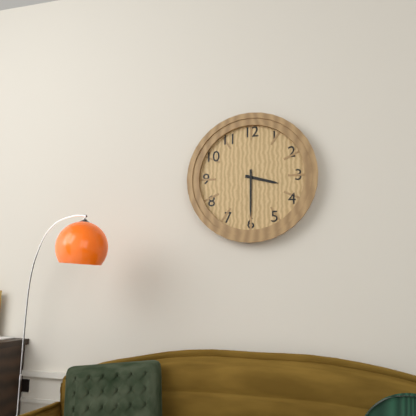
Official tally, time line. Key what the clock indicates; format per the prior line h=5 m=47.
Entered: h=3 m=30
